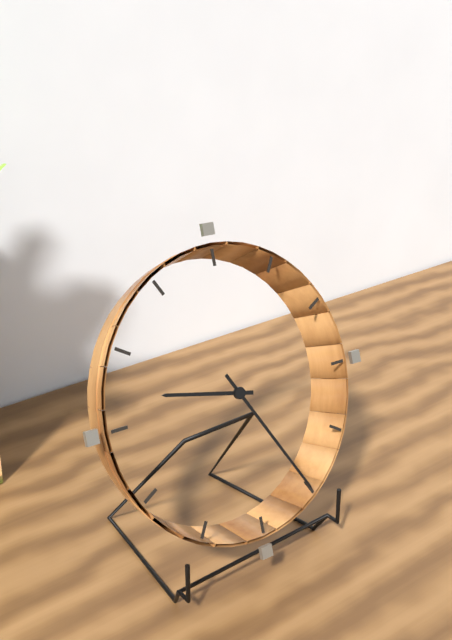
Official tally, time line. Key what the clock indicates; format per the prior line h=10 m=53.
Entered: h=9 m=25
